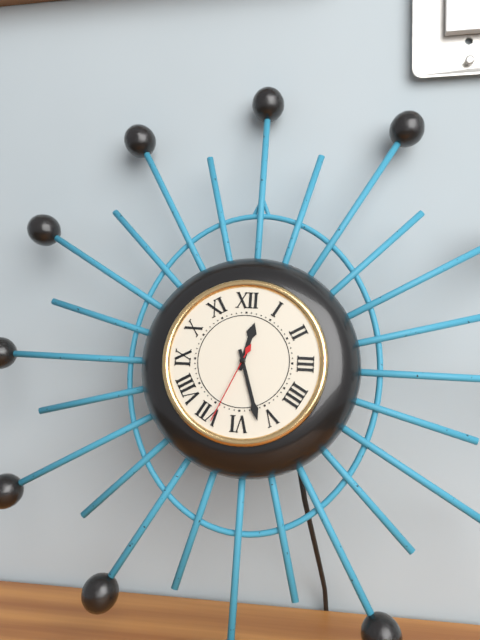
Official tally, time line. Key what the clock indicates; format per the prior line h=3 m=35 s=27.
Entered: h=12 m=27 s=34
